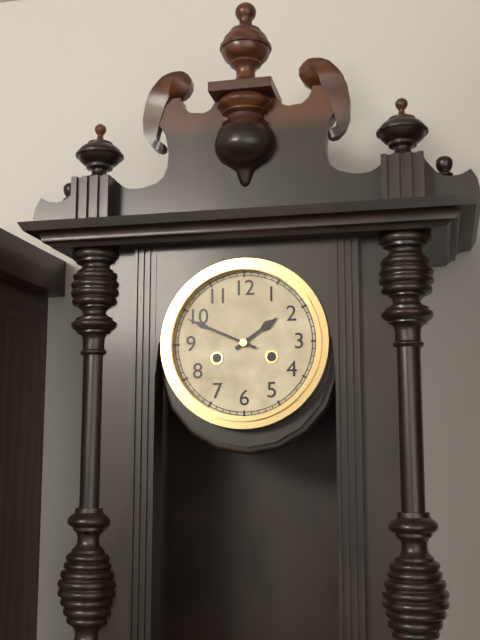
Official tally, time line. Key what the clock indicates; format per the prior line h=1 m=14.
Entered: h=1 m=49
